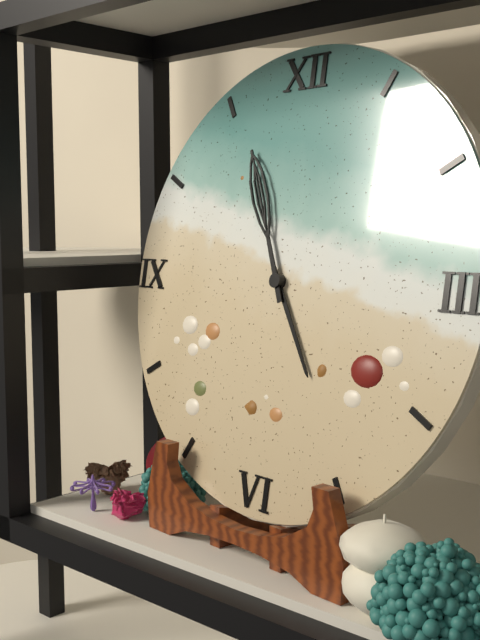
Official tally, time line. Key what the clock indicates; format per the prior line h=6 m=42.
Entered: h=4 m=56
